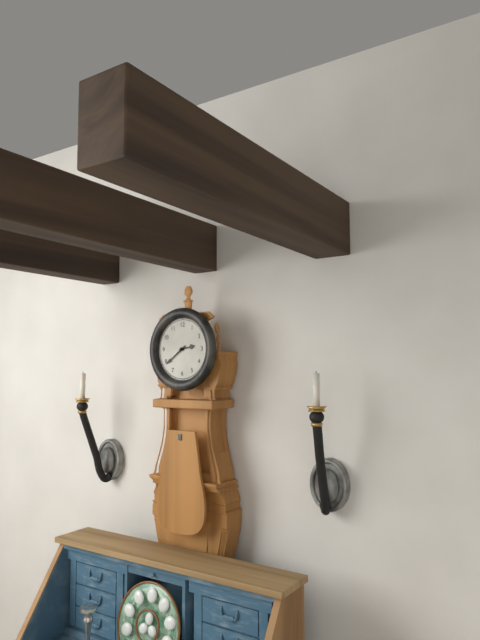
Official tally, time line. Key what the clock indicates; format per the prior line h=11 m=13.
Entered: h=2 m=39
